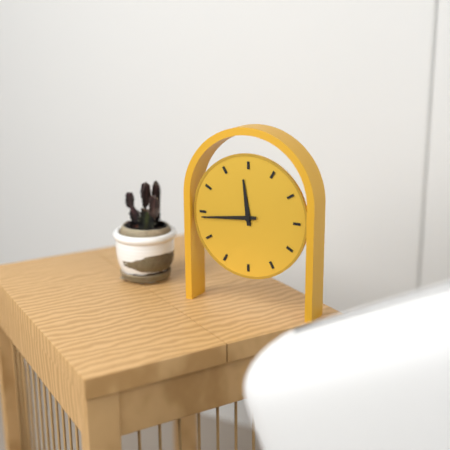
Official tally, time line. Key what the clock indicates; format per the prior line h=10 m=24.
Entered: h=11 m=44
